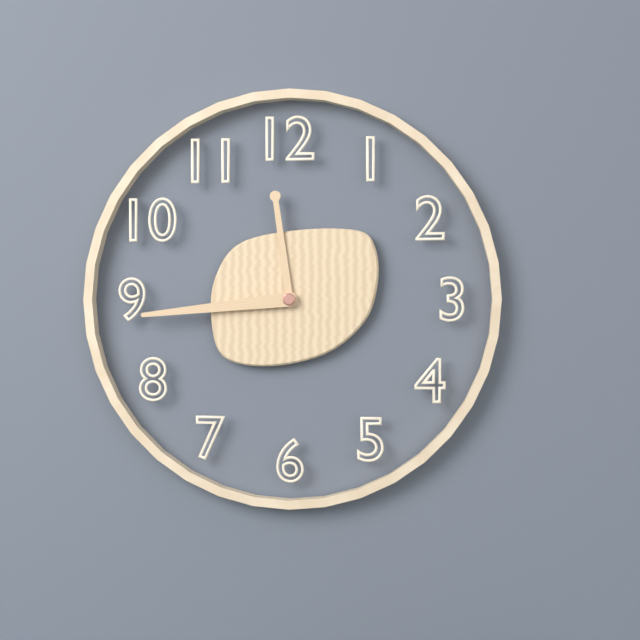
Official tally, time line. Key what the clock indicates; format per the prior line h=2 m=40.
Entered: h=11 m=44
